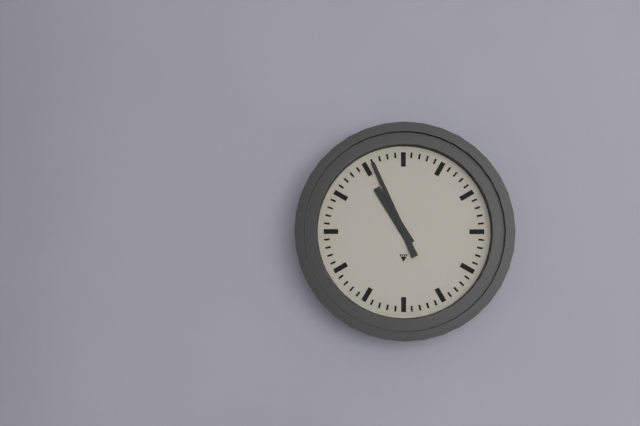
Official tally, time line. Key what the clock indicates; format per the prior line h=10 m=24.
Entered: h=10 m=56
